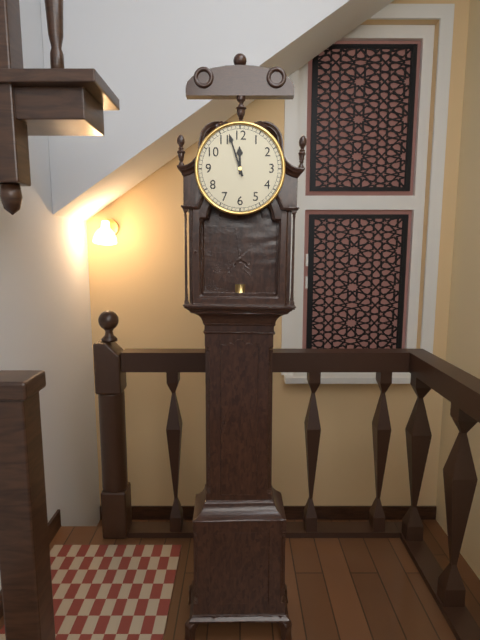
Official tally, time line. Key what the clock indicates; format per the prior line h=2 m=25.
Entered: h=11 m=57
